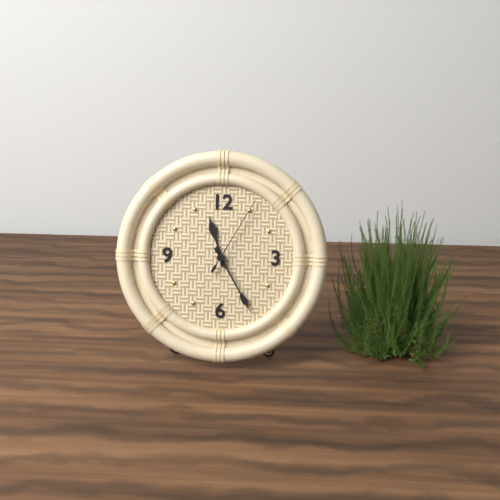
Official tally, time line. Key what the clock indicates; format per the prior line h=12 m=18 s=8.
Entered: h=11 m=25 s=5
